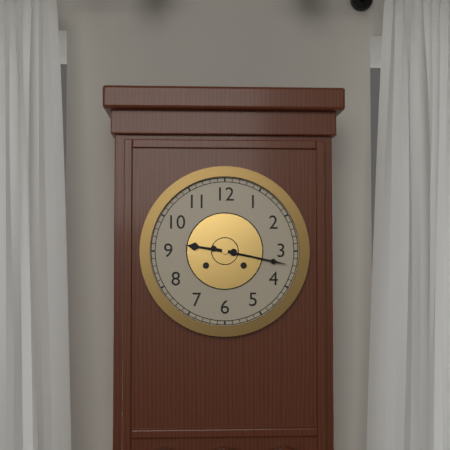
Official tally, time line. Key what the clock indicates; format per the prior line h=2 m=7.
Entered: h=9 m=17
